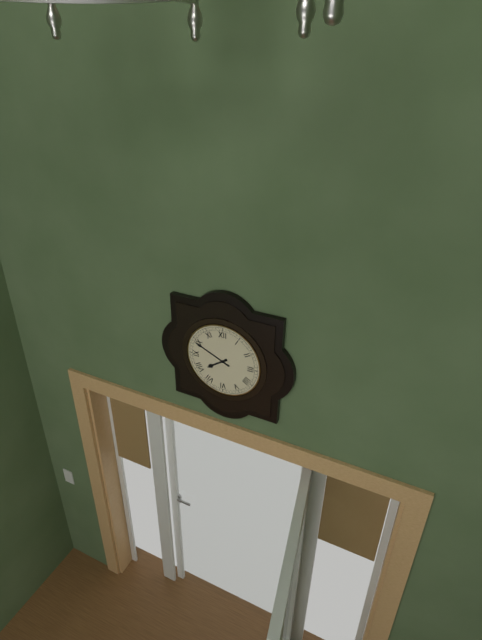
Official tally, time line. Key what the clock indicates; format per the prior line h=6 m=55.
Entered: h=7 m=49
